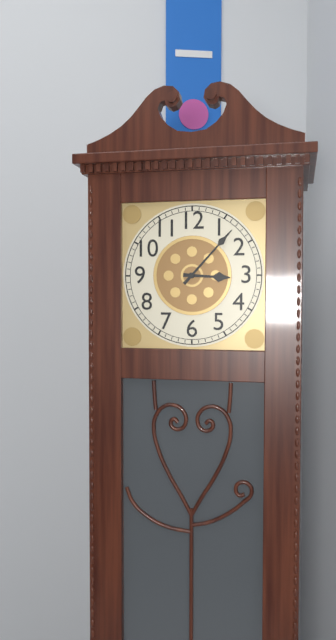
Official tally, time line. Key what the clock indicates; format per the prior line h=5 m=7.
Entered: h=3 m=7
